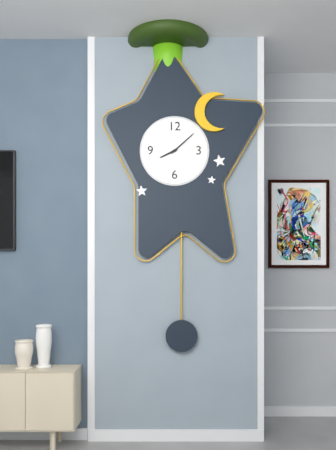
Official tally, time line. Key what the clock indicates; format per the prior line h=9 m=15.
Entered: h=8 m=8
